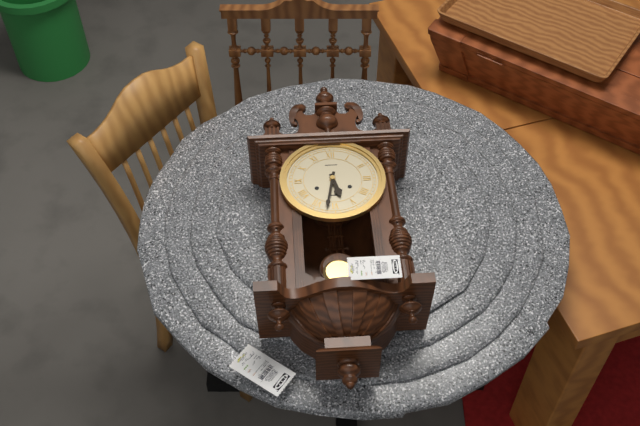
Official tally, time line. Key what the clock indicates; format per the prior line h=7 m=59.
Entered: h=5 m=32
